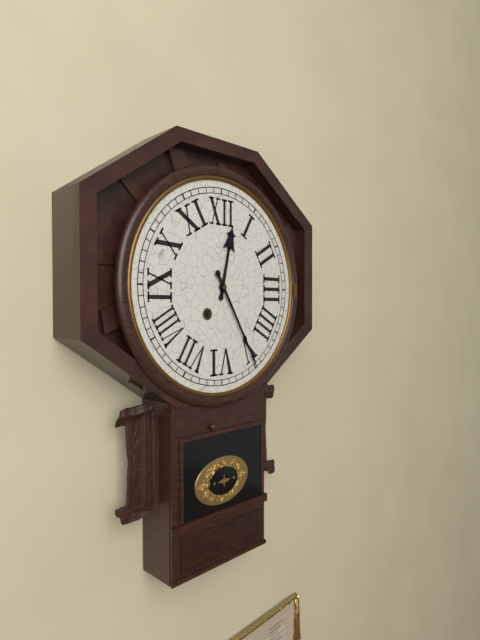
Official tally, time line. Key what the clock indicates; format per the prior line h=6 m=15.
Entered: h=12 m=25
